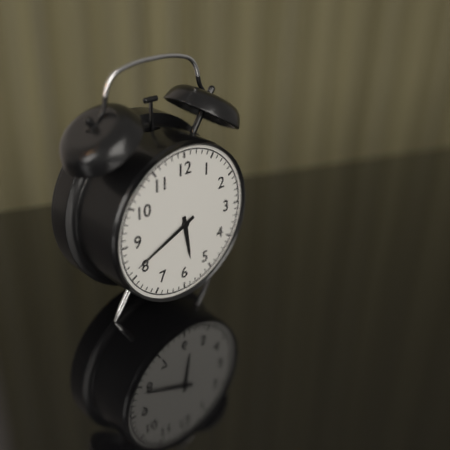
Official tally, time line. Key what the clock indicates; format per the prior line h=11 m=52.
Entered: h=5 m=41
